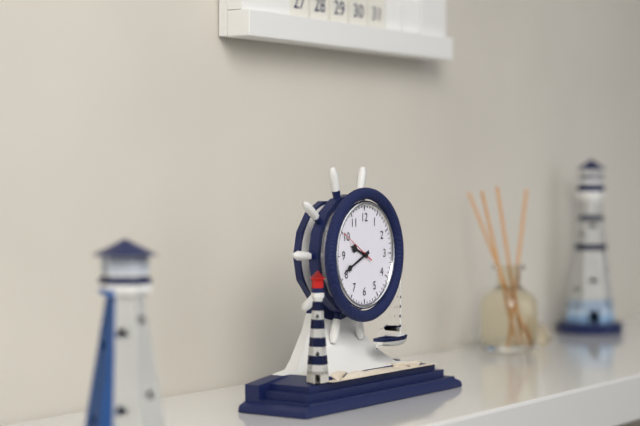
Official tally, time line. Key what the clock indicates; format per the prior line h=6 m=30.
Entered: h=9 m=41
